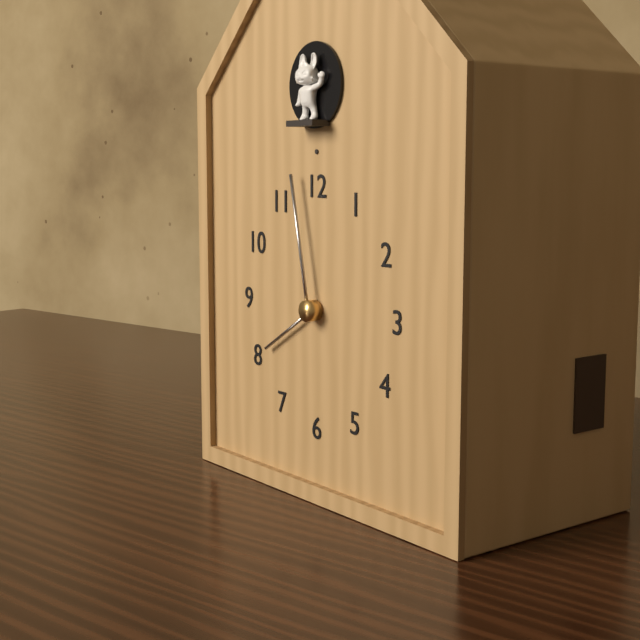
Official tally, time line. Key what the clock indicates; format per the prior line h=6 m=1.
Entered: h=7 m=58
